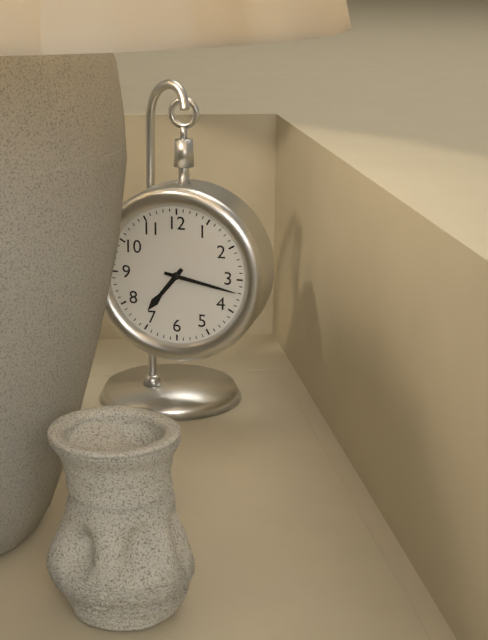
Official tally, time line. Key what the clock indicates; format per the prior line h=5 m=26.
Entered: h=7 m=17
